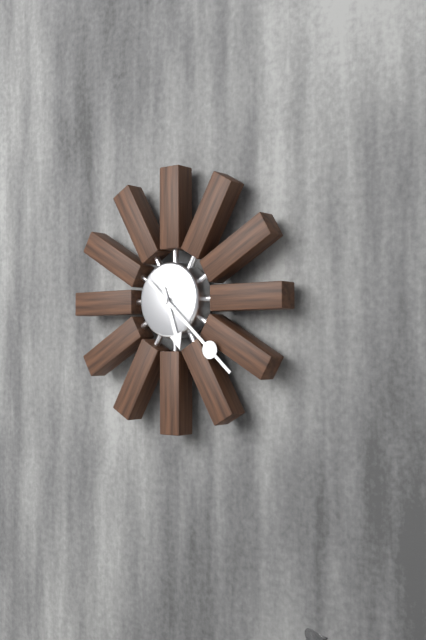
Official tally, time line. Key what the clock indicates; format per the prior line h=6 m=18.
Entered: h=5 m=22
